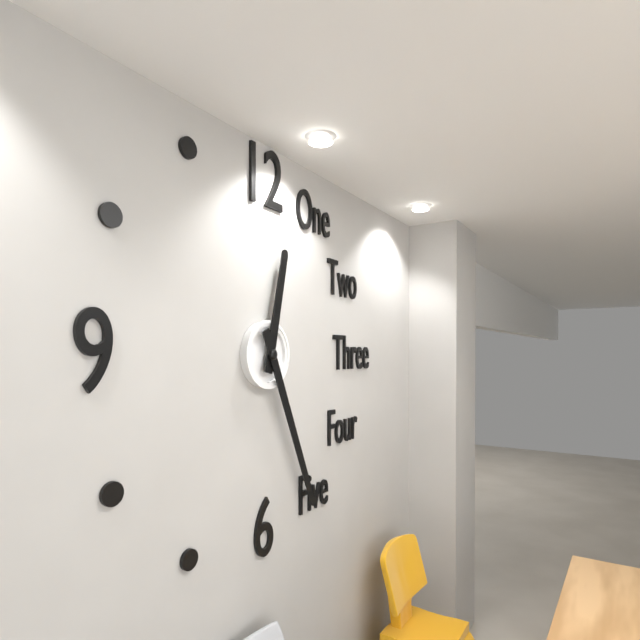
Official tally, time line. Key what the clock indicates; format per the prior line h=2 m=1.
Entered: h=12 m=26
